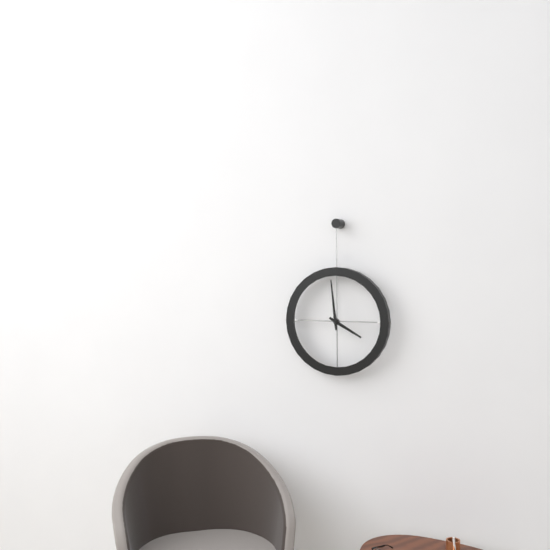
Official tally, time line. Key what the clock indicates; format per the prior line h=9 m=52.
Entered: h=3 m=59
